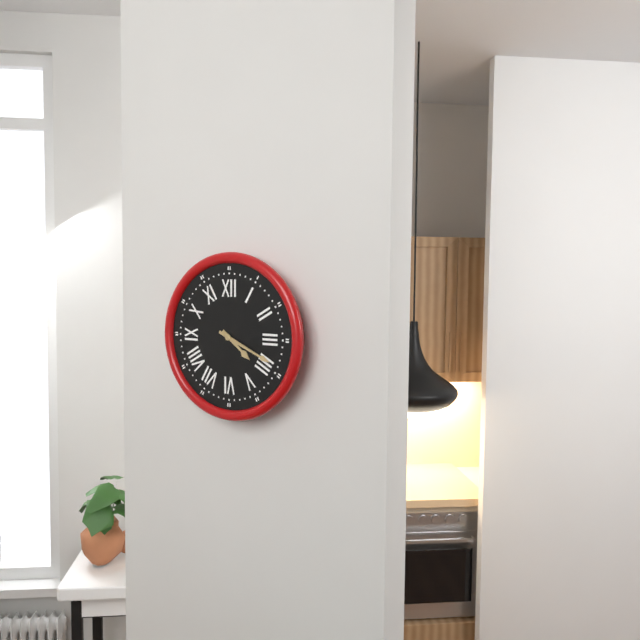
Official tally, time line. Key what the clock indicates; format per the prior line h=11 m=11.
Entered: h=4 m=19
